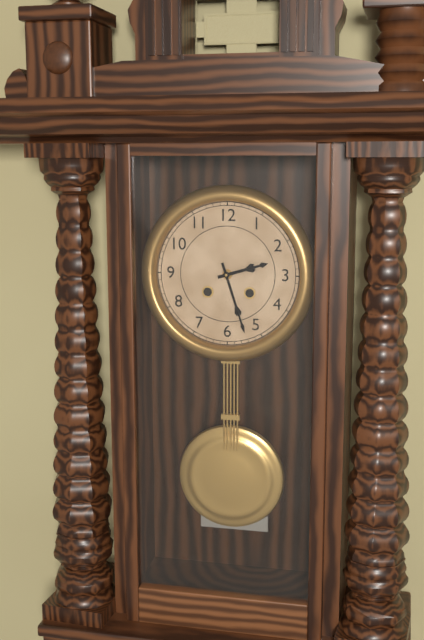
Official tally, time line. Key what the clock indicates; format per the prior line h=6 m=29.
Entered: h=2 m=27
